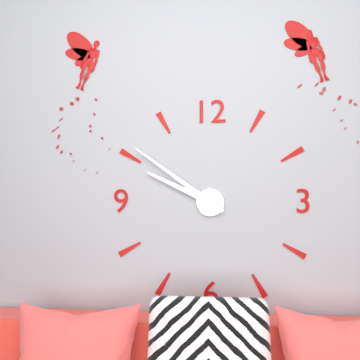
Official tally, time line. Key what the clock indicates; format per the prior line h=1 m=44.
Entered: h=9 m=51
